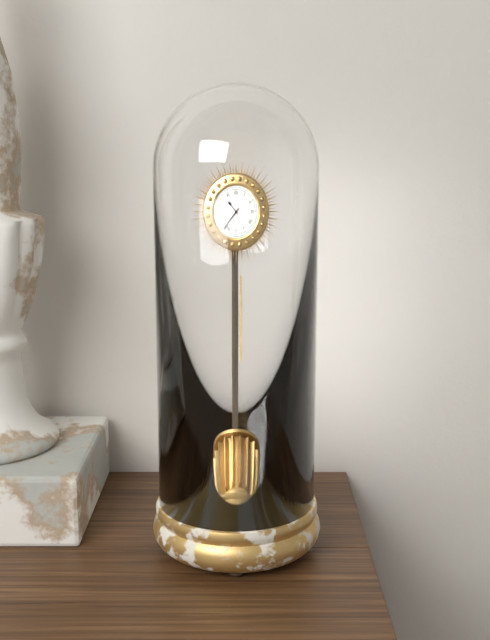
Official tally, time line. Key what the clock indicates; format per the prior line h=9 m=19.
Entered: h=10 m=37
